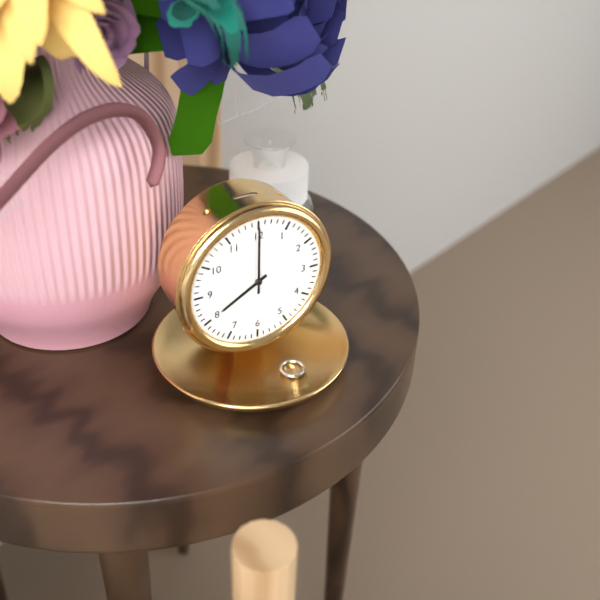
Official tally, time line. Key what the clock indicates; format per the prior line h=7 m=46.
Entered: h=8 m=0
